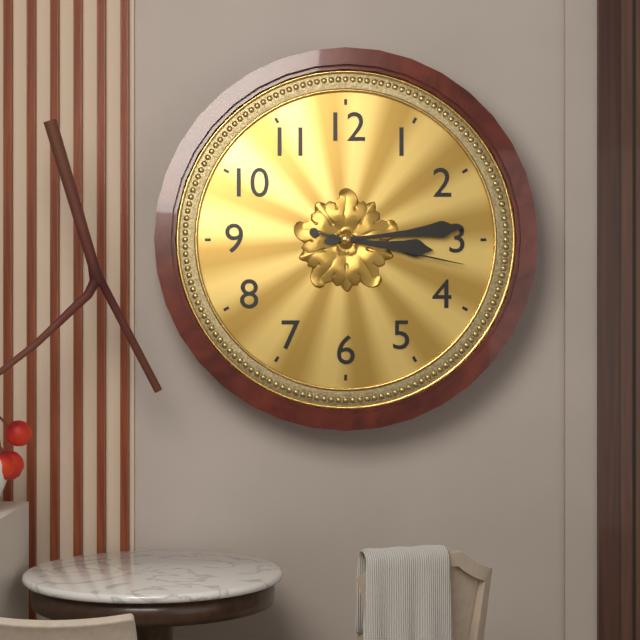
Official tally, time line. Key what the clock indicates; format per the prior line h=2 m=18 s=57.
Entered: h=3 m=14 s=17
